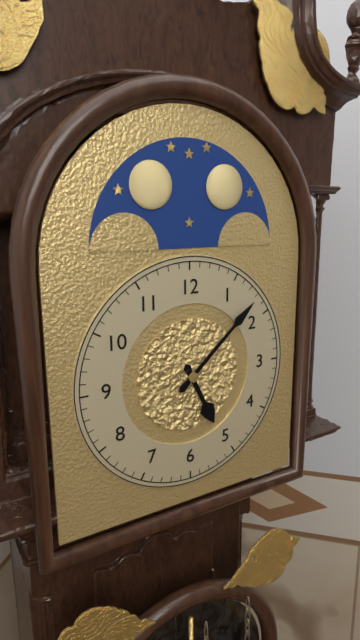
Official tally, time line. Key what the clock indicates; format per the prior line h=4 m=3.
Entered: h=5 m=8
